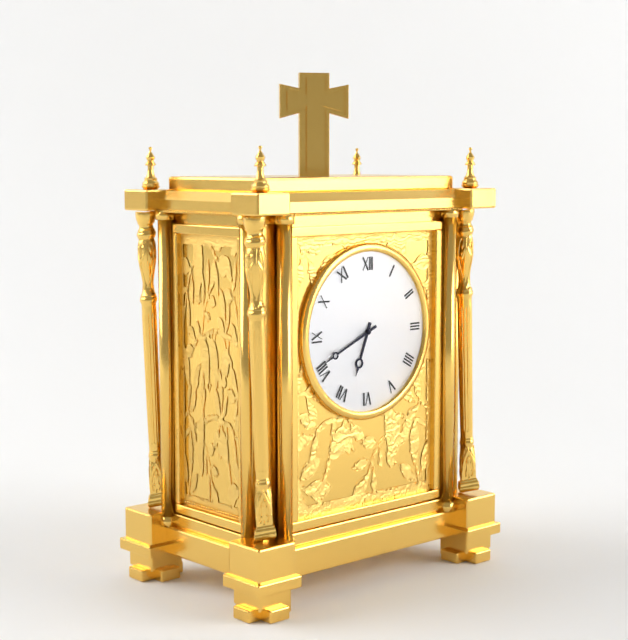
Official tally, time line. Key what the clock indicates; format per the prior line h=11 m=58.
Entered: h=6 m=41
